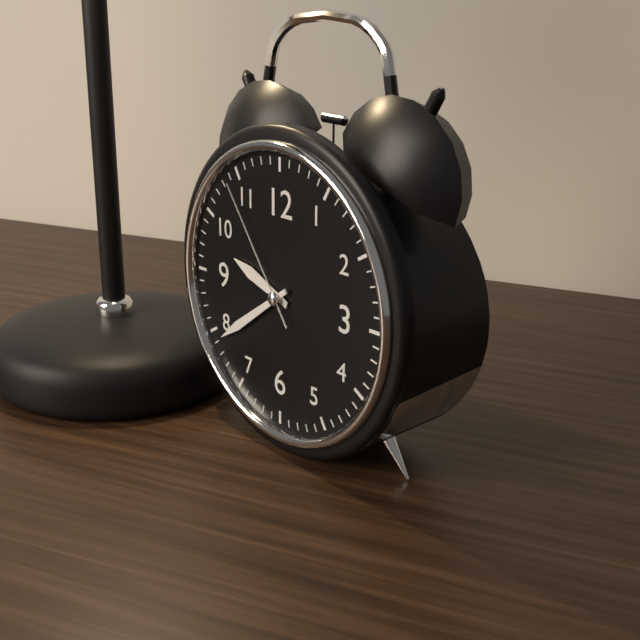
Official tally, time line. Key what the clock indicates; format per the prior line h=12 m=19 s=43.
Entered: h=9 m=39 s=54
